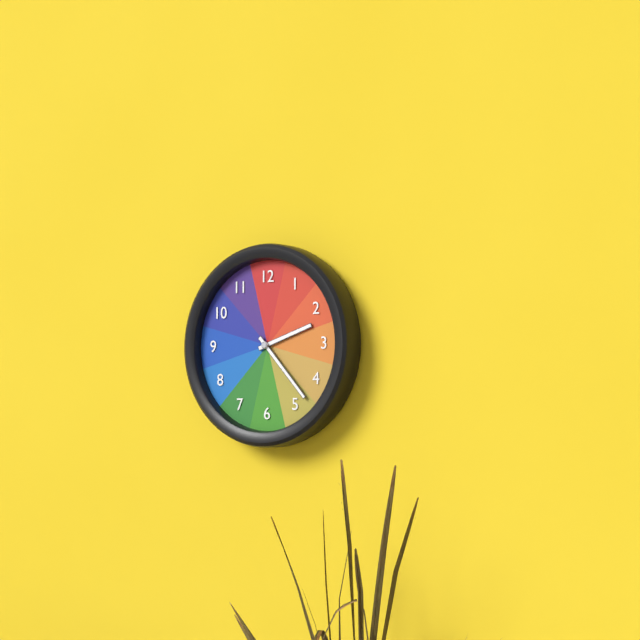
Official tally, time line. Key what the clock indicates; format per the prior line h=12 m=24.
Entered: h=2 m=23
